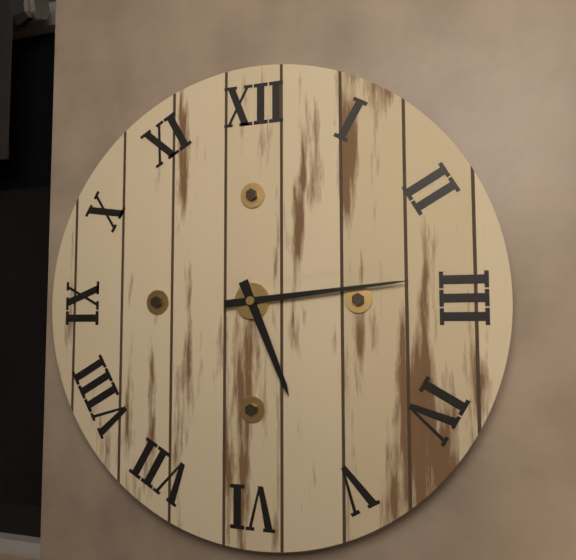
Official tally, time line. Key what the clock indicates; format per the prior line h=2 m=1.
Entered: h=5 m=14
